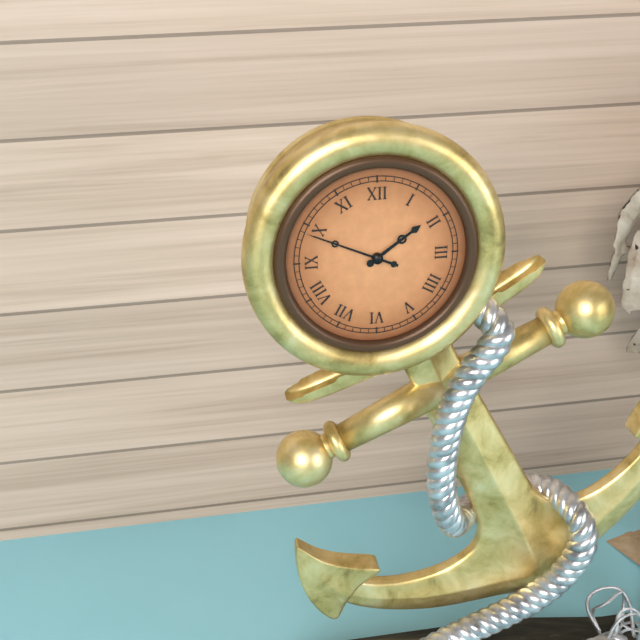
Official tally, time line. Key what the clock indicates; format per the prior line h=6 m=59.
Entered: h=1 m=49
